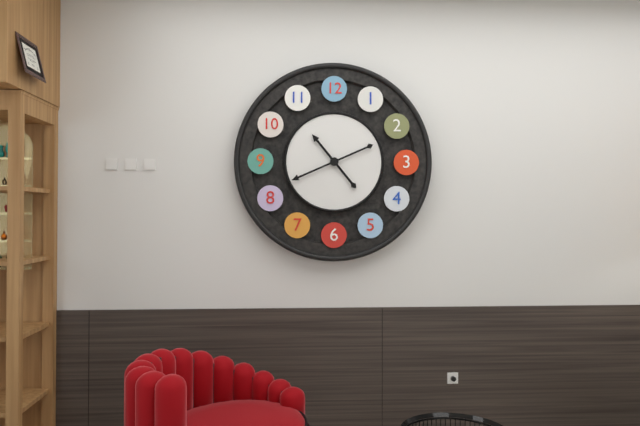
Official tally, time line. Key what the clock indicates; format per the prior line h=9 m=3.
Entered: h=10 m=41
